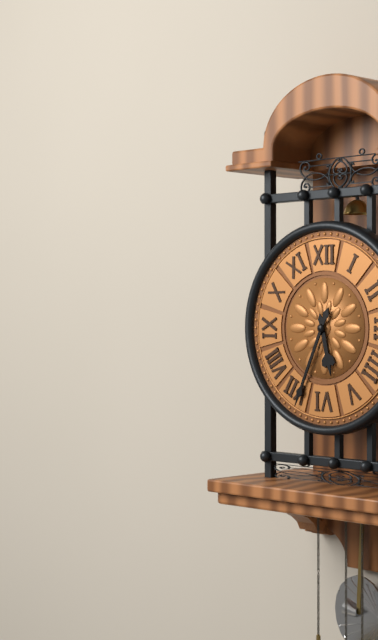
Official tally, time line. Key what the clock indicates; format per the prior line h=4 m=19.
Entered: h=5 m=34
